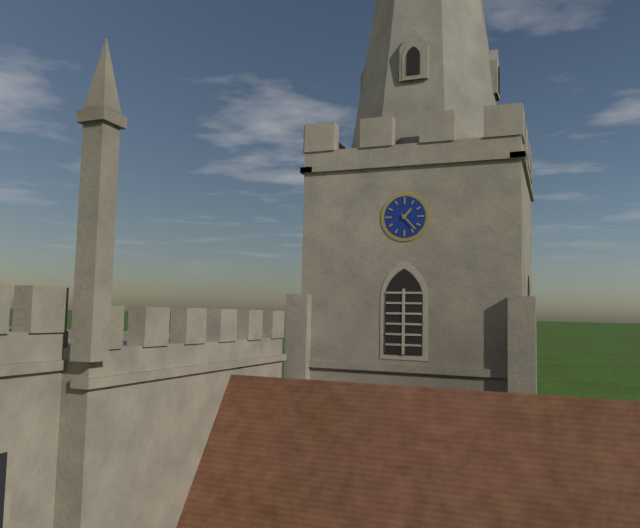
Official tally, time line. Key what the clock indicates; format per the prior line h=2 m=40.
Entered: h=1 m=23
